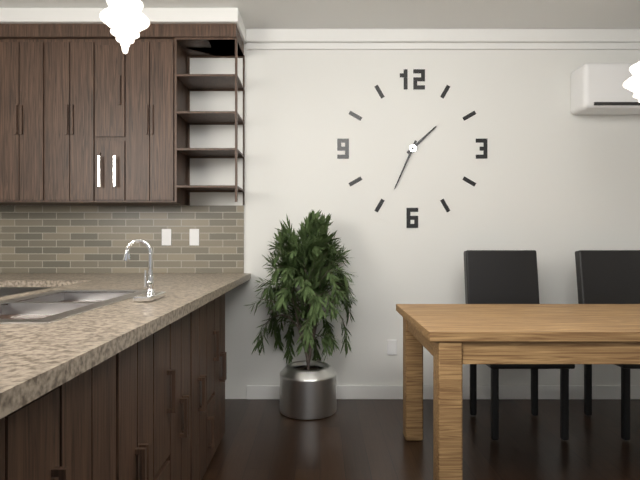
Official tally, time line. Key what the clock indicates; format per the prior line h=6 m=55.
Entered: h=1 m=34
